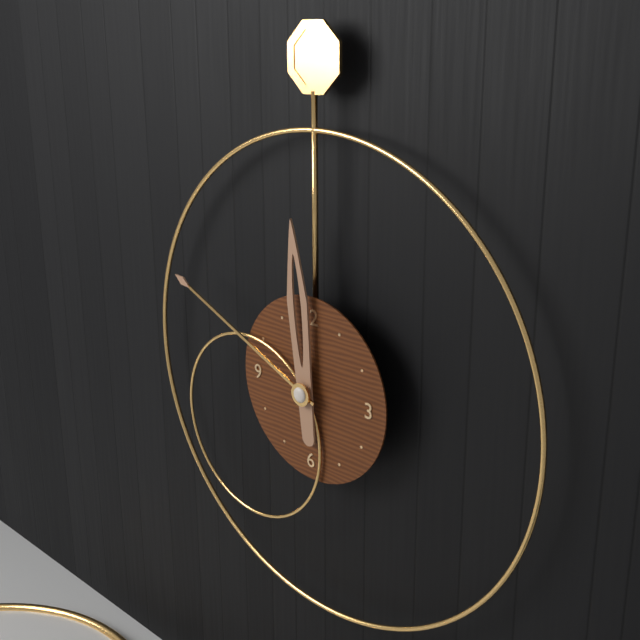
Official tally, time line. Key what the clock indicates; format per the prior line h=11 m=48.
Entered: h=11 m=49
